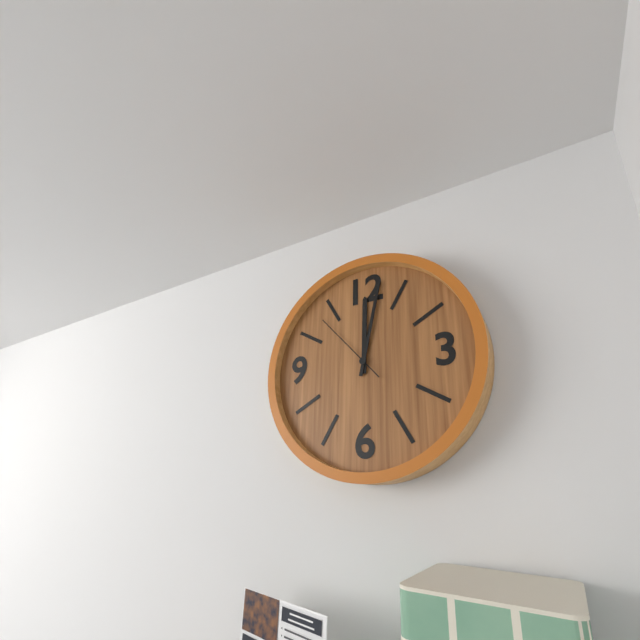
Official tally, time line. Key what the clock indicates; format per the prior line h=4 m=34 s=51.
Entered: h=12 m=2 s=53
